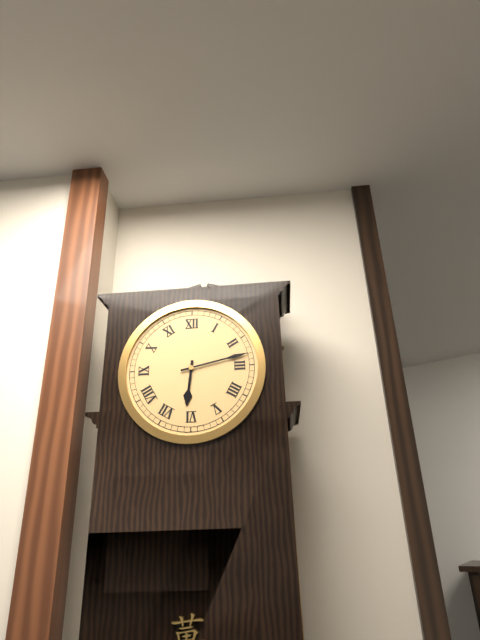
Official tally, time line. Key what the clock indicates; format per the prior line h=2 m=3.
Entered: h=6 m=13
